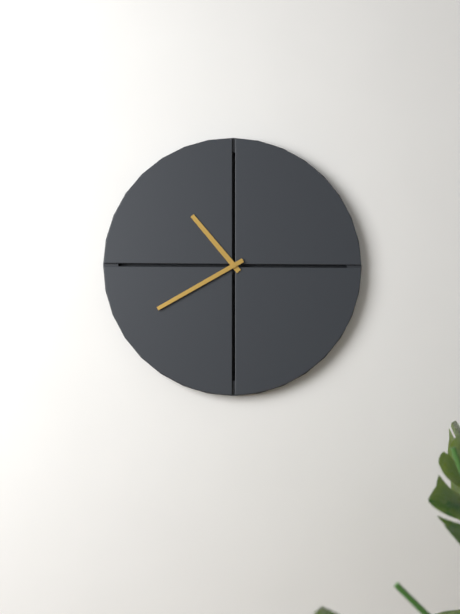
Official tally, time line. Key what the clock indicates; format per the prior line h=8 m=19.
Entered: h=10 m=40
